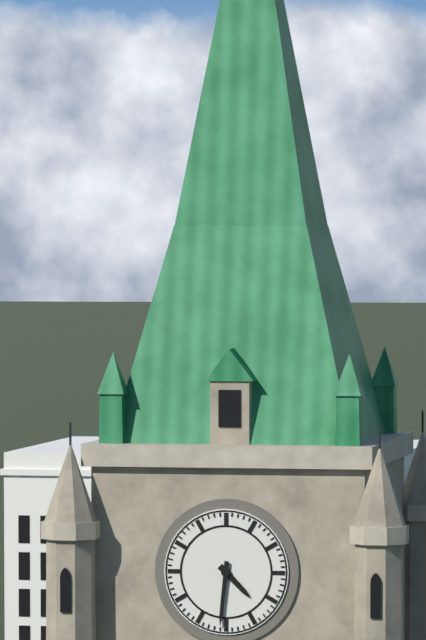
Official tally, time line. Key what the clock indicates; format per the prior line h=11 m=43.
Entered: h=4 m=31
